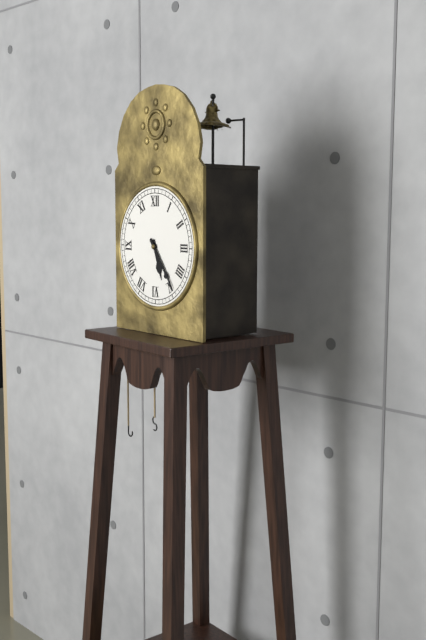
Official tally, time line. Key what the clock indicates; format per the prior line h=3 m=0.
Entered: h=5 m=24
